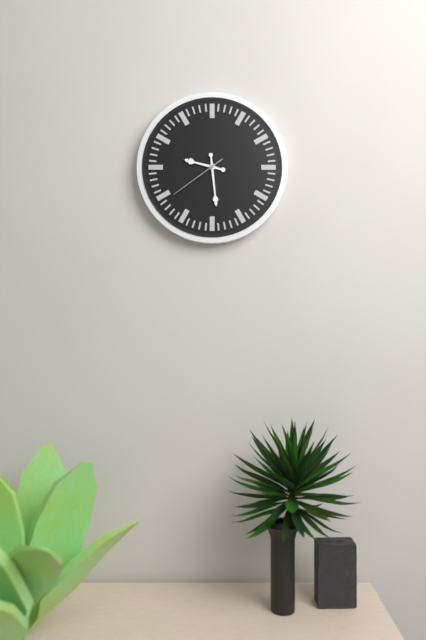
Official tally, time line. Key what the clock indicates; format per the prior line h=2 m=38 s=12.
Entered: h=9 m=29 s=39
